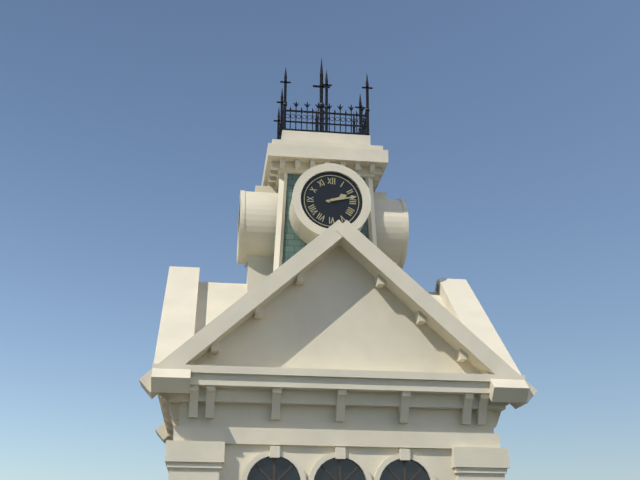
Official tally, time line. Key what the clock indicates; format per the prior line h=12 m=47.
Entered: h=2 m=13
